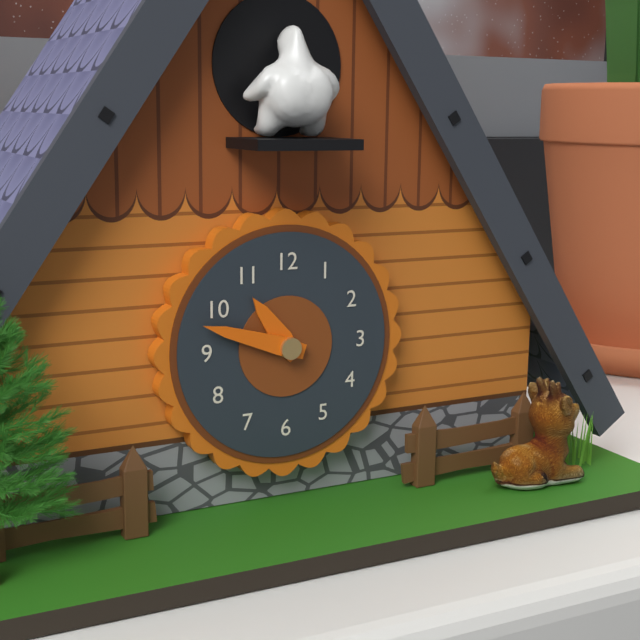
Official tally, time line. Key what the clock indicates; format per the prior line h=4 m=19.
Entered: h=10 m=48
